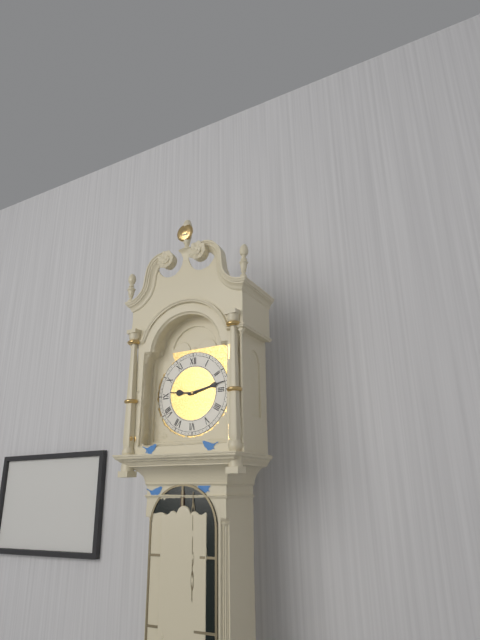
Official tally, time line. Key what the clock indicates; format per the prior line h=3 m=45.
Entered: h=9 m=13
